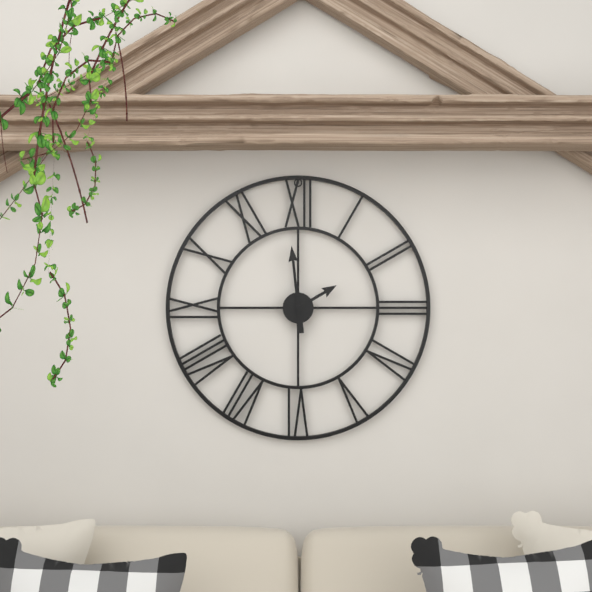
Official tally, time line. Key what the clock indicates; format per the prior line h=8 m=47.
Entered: h=1 m=59
